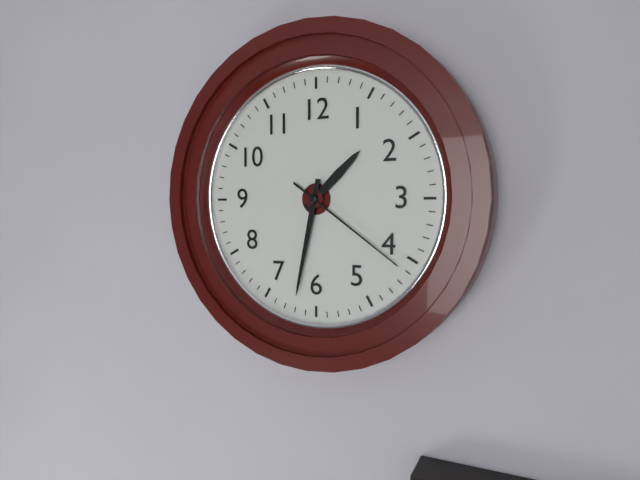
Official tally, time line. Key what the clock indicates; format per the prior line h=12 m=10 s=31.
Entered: h=1 m=32 s=21
